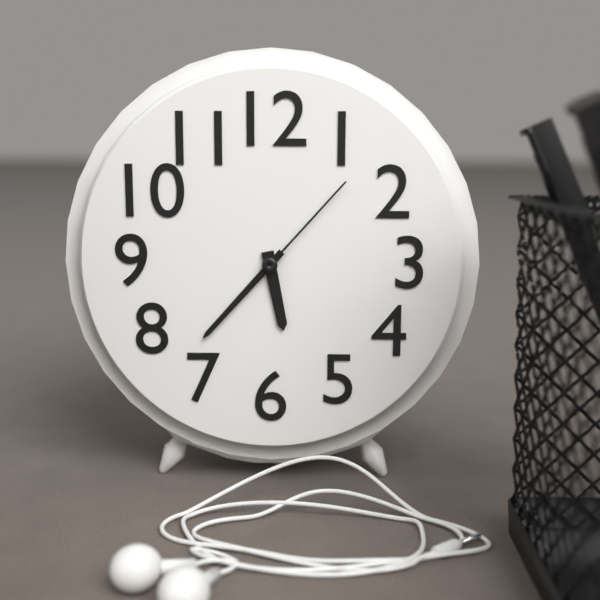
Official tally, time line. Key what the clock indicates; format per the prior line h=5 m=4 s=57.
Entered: h=5 m=37 s=7
